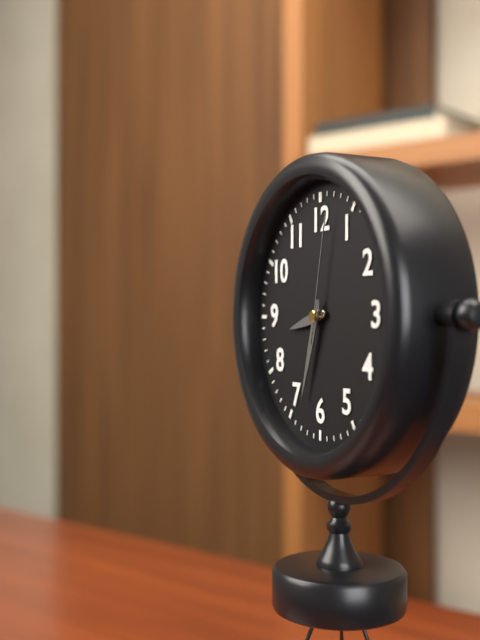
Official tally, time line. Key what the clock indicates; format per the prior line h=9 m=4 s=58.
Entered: h=8 m=33 s=2
